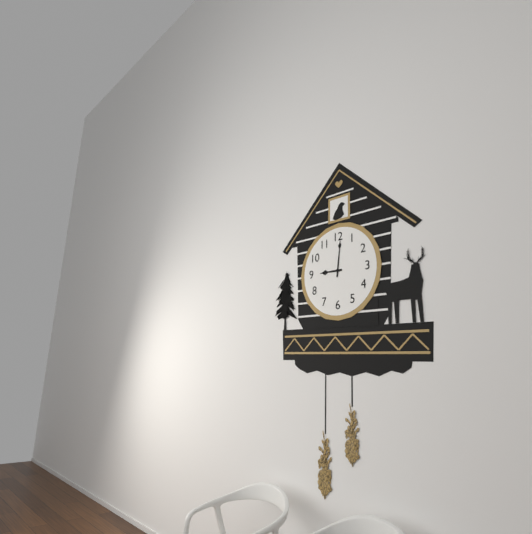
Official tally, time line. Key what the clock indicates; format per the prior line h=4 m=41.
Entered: h=9 m=1
